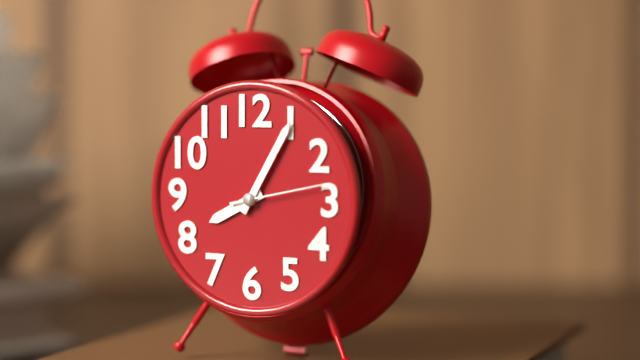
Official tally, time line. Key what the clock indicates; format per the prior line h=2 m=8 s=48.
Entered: h=8 m=5 s=13
